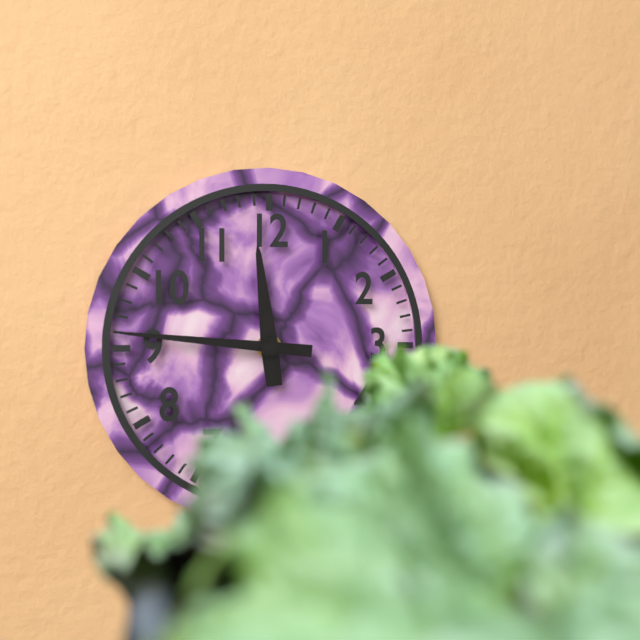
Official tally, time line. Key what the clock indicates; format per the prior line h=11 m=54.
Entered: h=11 m=46
